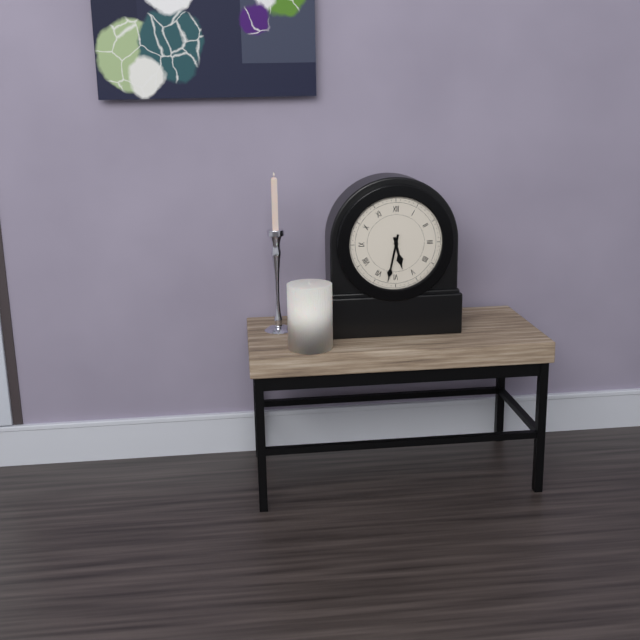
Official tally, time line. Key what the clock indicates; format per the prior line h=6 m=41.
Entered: h=5 m=32
